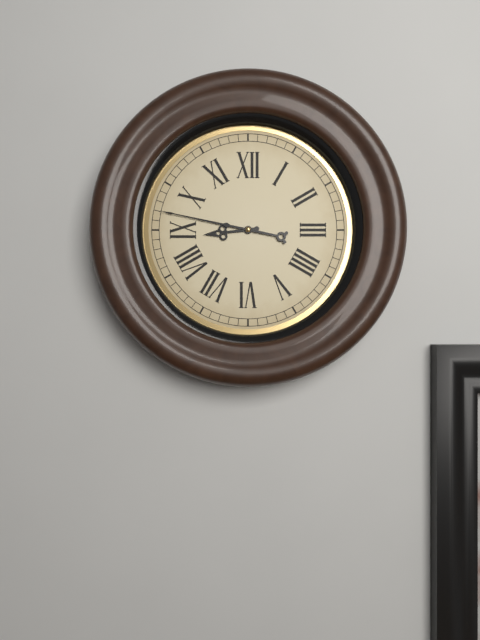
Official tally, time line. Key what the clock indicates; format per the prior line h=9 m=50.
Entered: h=8 m=47
